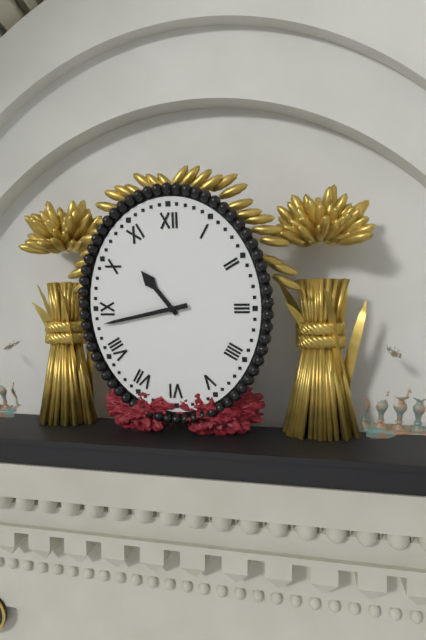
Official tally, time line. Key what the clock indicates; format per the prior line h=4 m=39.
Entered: h=10 m=43
